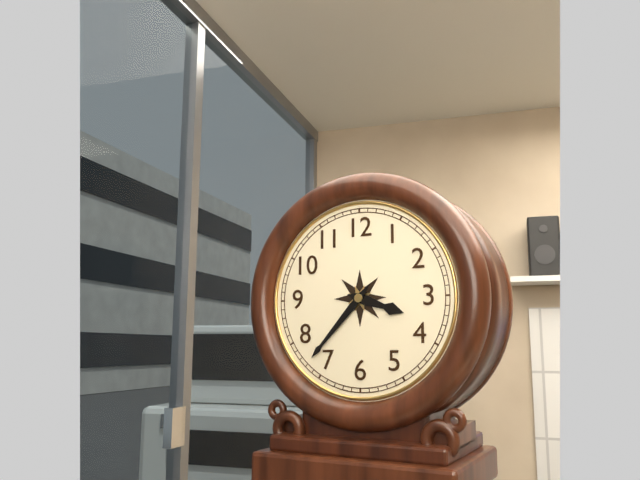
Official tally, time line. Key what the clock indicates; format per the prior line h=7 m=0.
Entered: h=3 m=37
